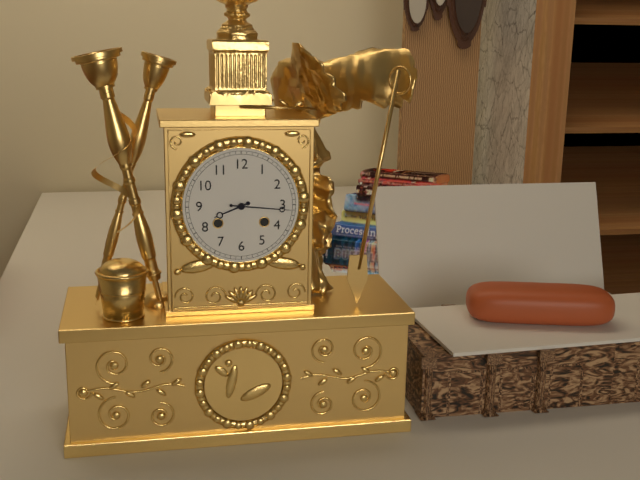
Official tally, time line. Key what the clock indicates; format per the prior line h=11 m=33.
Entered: h=8 m=16
